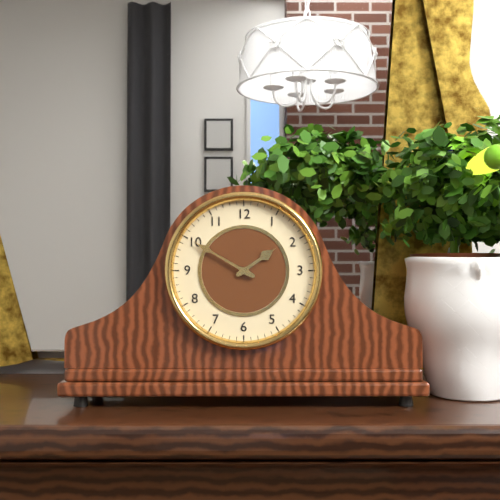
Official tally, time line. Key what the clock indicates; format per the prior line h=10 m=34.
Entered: h=1 m=50
